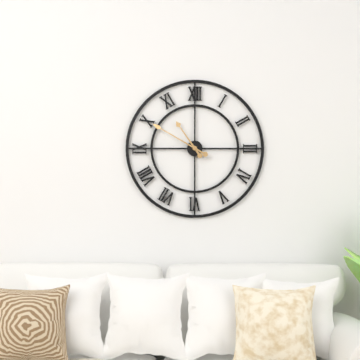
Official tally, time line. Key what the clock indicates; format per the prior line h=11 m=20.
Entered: h=10 m=50
